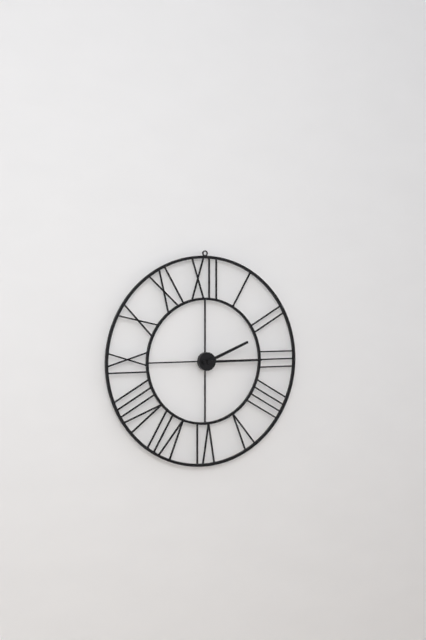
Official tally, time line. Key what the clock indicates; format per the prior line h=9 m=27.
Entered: h=2 m=15
